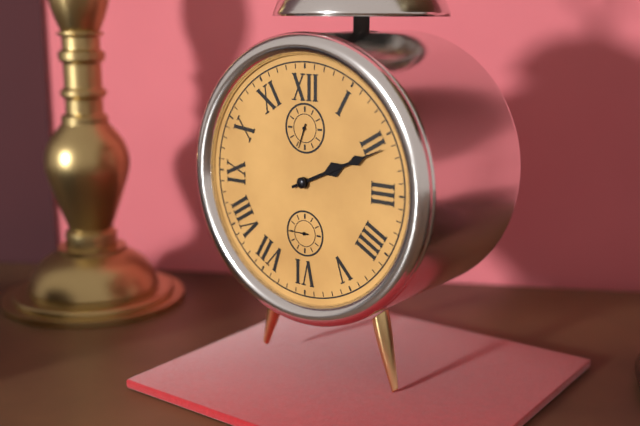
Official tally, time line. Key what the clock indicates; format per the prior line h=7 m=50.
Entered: h=2 m=11
